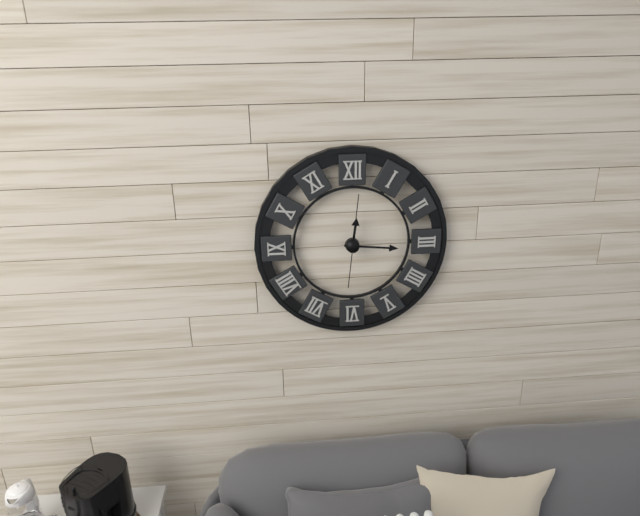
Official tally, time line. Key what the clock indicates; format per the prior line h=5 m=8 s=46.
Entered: h=12 m=16 s=1
